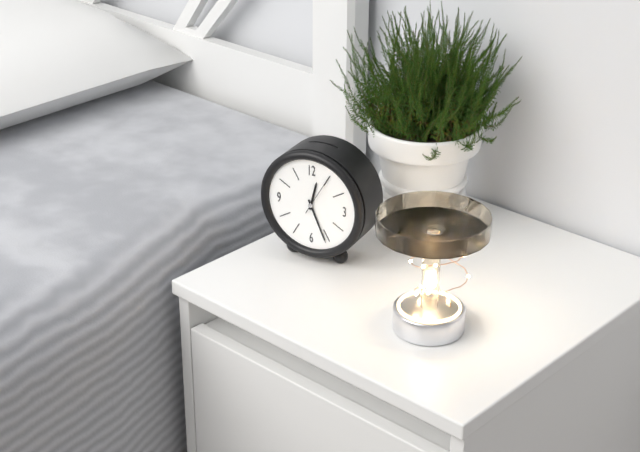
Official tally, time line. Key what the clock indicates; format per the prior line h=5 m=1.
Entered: h=12 m=26
